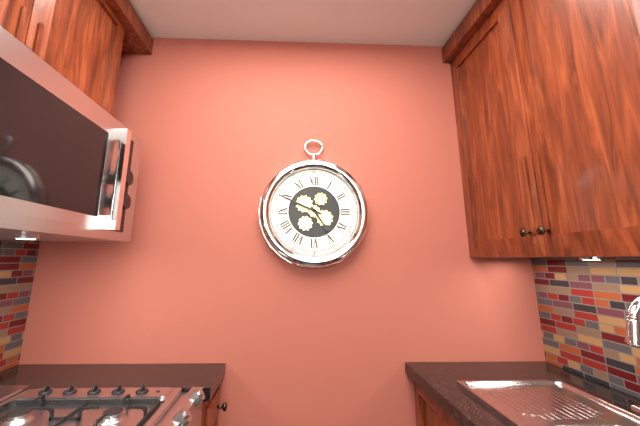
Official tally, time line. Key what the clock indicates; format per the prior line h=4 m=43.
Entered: h=4 m=49
